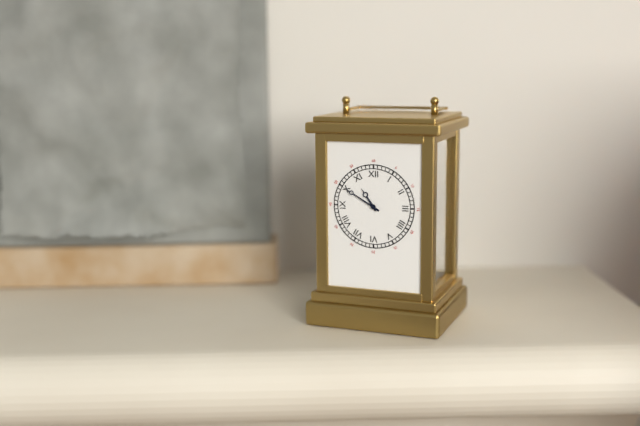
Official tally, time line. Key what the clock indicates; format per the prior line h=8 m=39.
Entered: h=10 m=50
